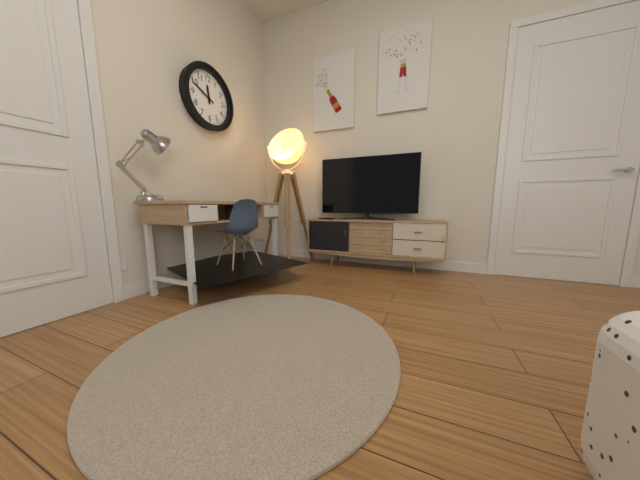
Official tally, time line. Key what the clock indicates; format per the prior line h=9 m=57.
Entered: h=11 m=49
